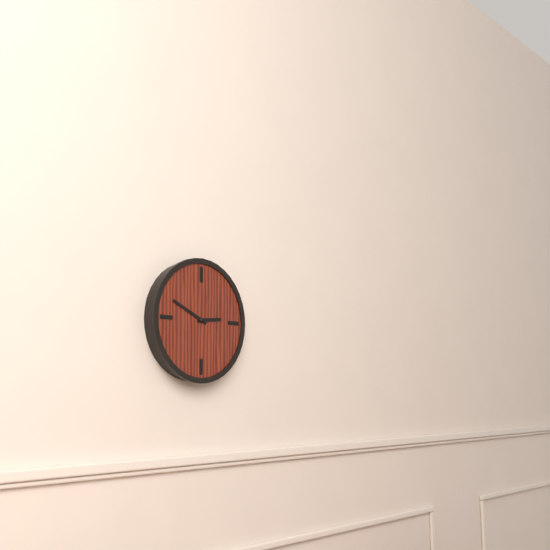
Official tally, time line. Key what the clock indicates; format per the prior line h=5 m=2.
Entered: h=2 m=49
